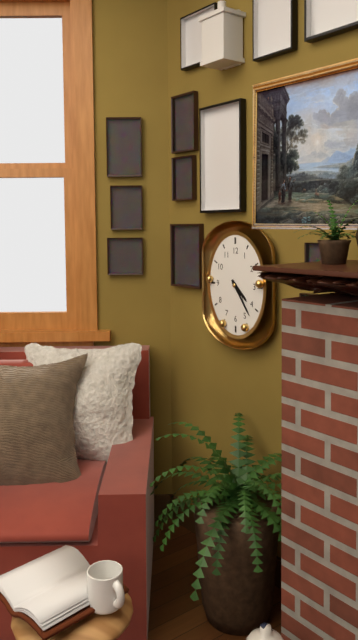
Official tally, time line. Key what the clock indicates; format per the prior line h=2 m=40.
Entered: h=4 m=24
